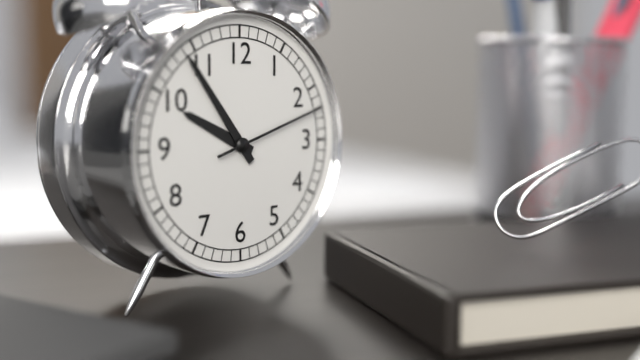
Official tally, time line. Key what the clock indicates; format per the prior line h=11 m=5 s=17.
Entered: h=9 m=54 s=12
